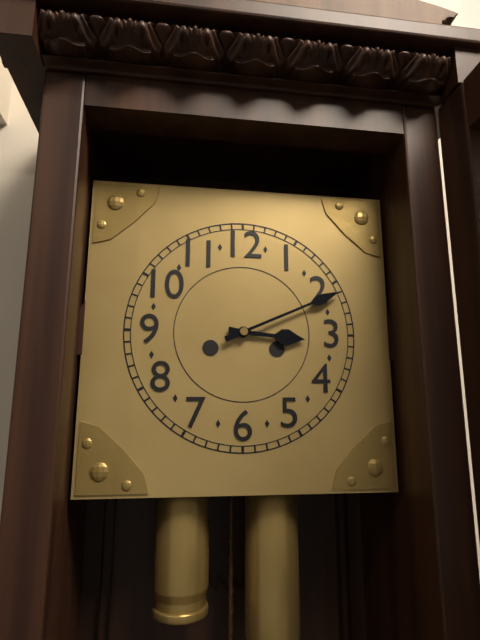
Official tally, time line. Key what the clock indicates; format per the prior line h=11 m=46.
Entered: h=3 m=11
